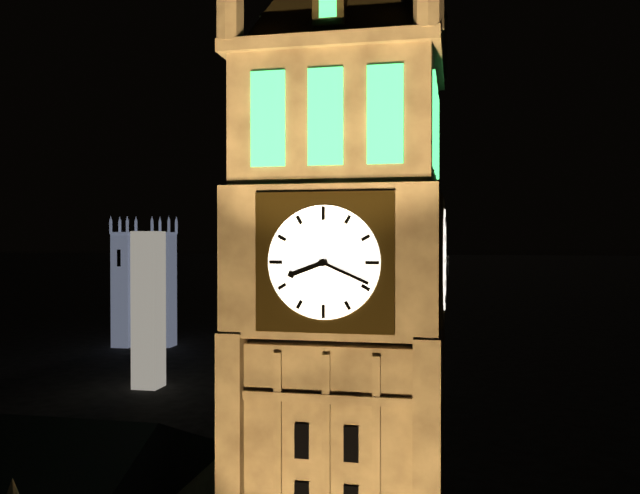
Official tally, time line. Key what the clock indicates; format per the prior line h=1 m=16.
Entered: h=8 m=19
